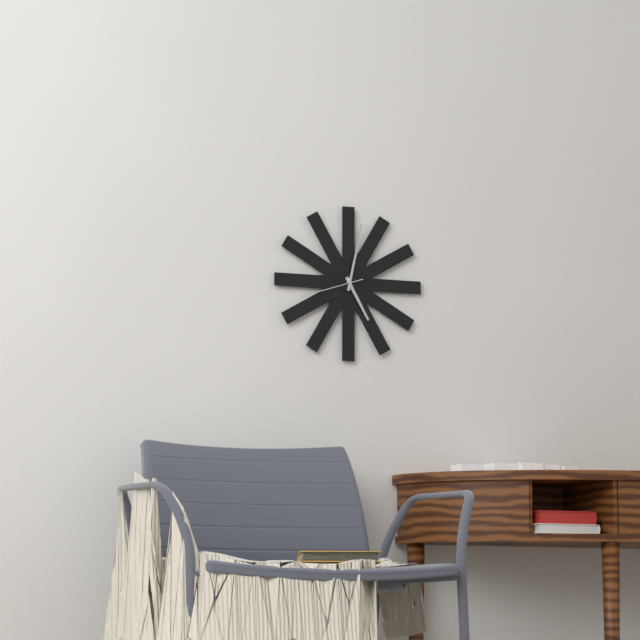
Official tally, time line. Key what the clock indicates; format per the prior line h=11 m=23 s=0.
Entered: h=5 m=2 s=42
